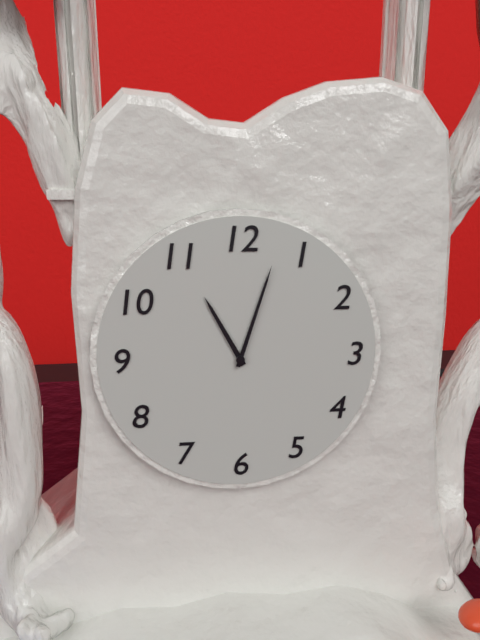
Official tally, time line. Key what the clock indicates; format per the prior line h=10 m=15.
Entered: h=11 m=3
